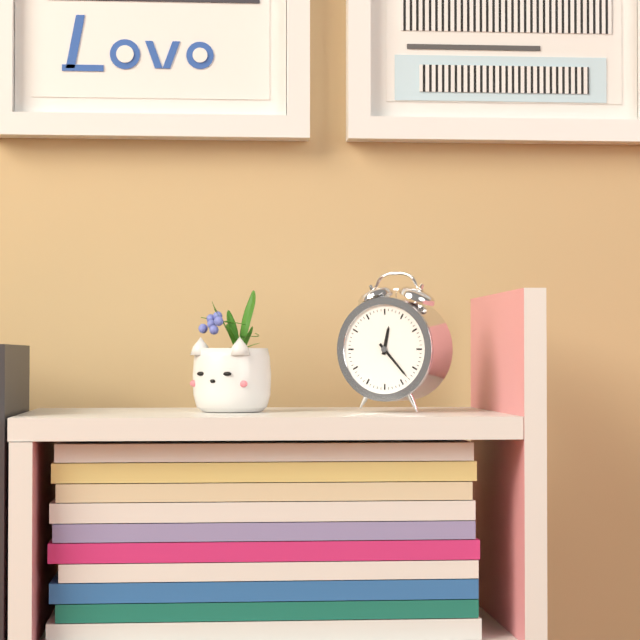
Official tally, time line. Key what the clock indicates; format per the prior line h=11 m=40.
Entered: h=12 m=23
